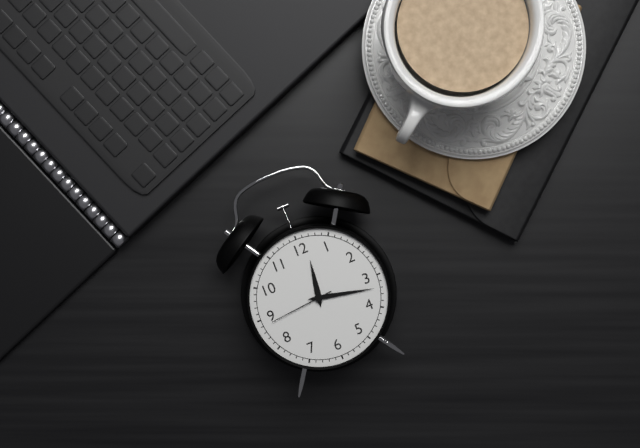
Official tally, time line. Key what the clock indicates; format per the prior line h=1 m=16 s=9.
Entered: h=12 m=17 s=44
